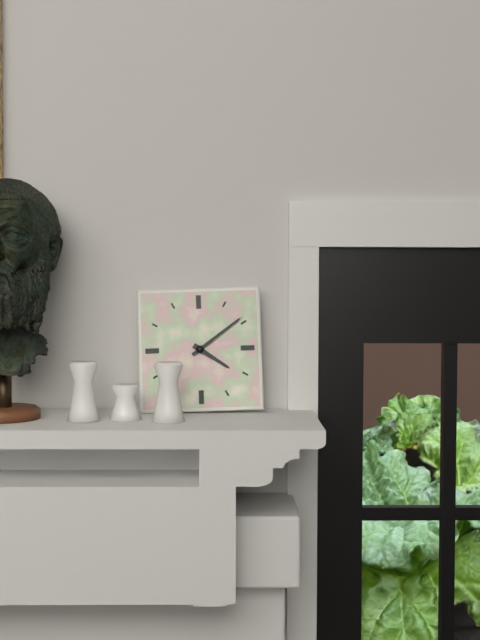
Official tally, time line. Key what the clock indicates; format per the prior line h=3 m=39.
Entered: h=4 m=9
